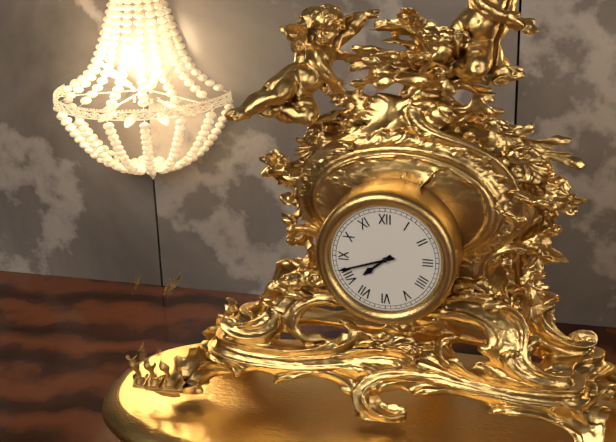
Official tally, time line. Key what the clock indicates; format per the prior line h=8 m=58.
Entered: h=7 m=42
